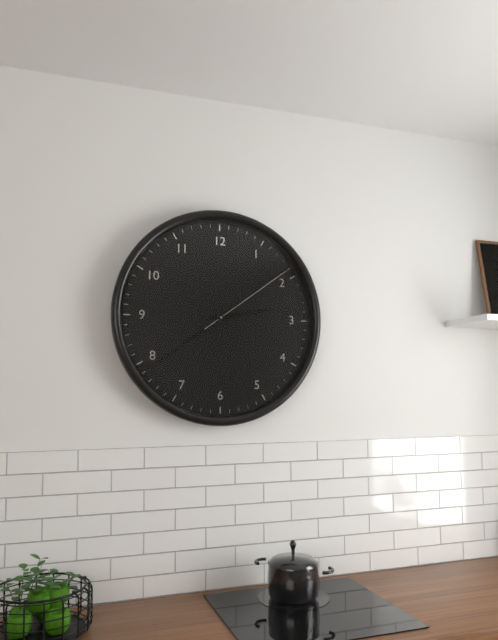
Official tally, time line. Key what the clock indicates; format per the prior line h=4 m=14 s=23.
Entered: h=2 m=39 s=9
